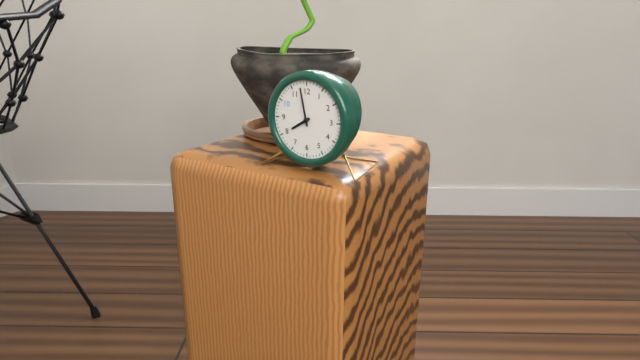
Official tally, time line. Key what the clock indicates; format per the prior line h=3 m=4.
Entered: h=7 m=58
